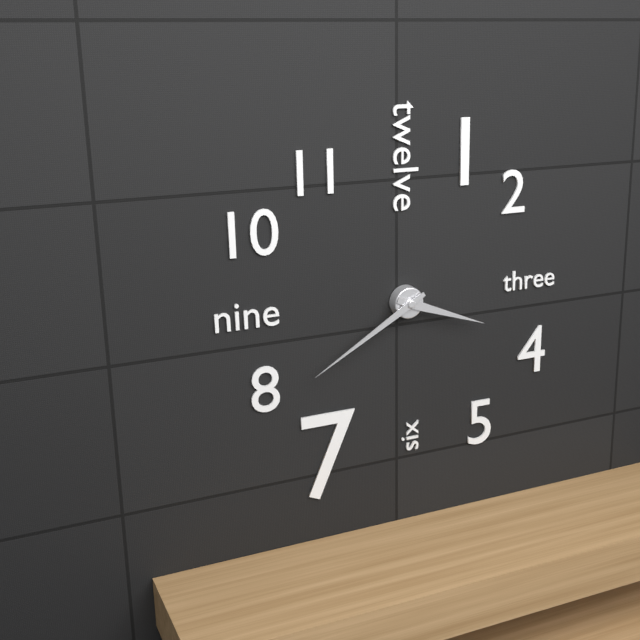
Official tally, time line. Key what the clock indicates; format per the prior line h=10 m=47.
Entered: h=3 m=40
